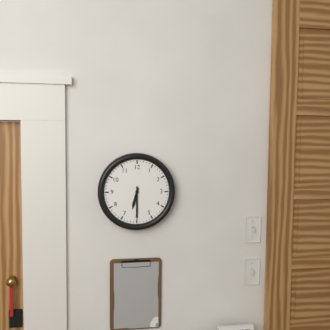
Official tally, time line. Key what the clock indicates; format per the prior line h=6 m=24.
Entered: h=6 m=30
